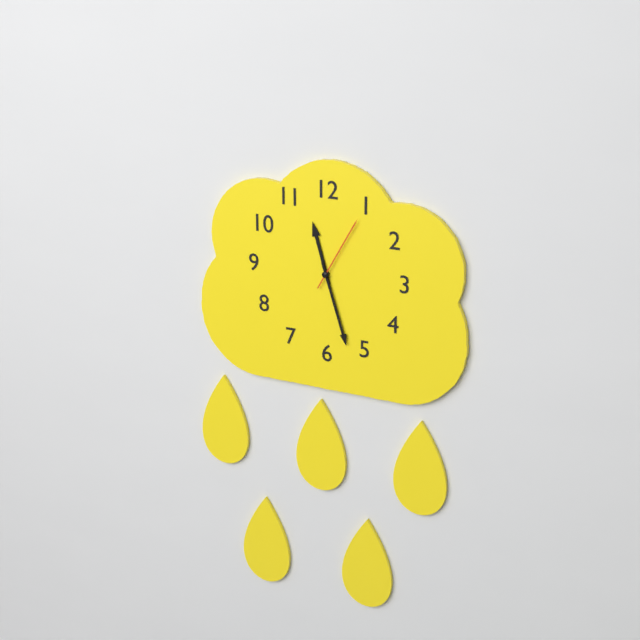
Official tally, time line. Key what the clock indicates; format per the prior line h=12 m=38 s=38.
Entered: h=11 m=27 s=5
